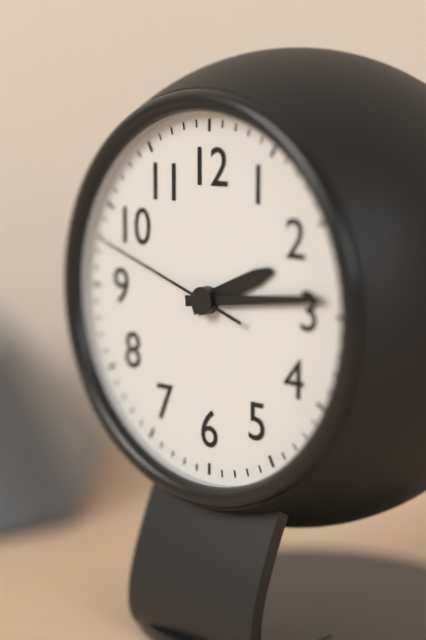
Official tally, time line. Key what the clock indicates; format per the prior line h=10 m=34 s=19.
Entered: h=2 m=14 s=48
